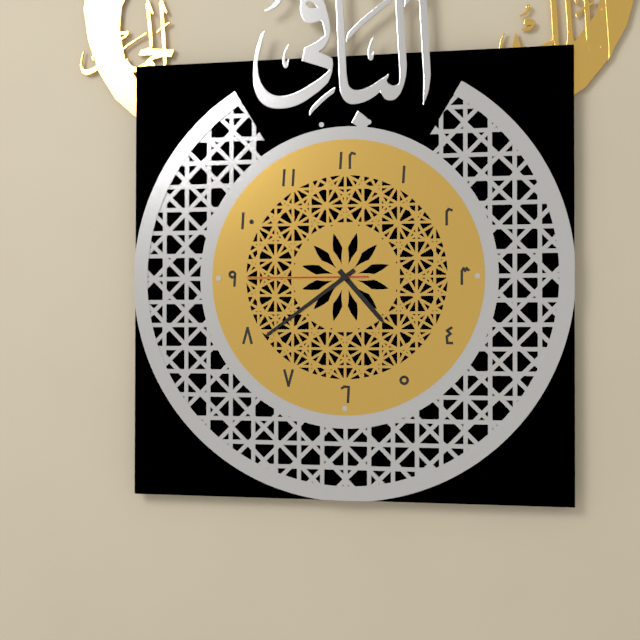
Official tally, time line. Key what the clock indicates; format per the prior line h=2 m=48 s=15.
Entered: h=4 m=39 s=45
